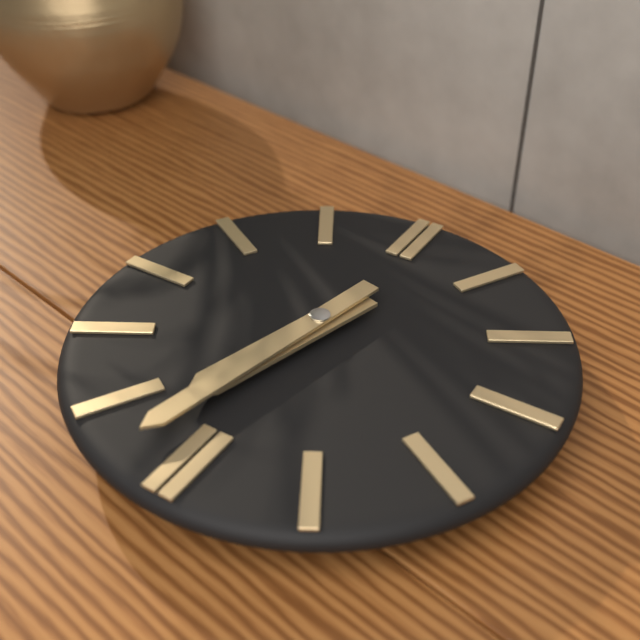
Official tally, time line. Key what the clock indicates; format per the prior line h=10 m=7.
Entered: h=6 m=32
